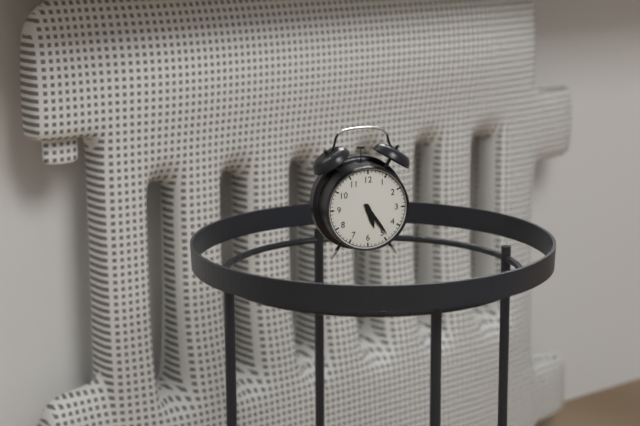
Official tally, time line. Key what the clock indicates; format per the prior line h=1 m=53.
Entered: h=5 m=24
